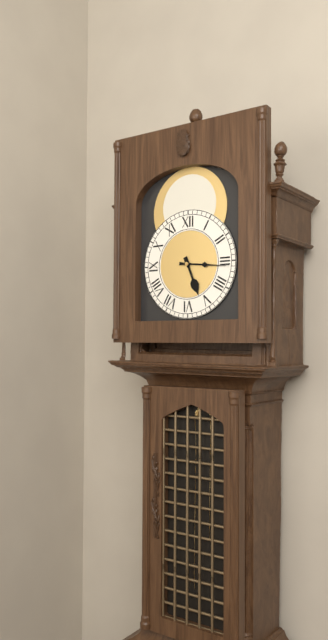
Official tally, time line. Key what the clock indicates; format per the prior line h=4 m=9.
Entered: h=5 m=16
